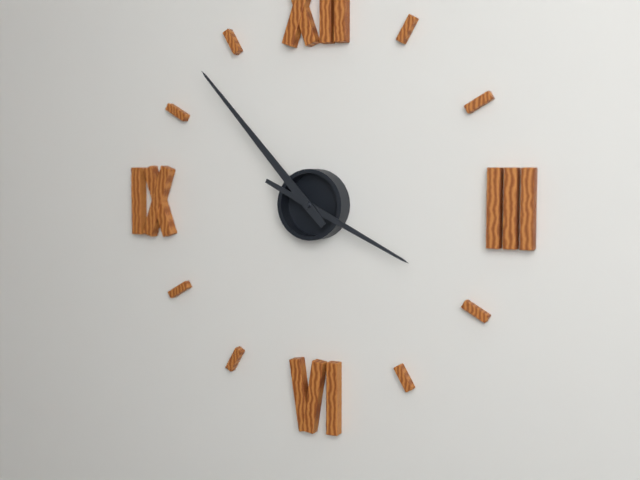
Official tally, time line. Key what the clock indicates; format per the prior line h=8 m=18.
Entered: h=3 m=53
